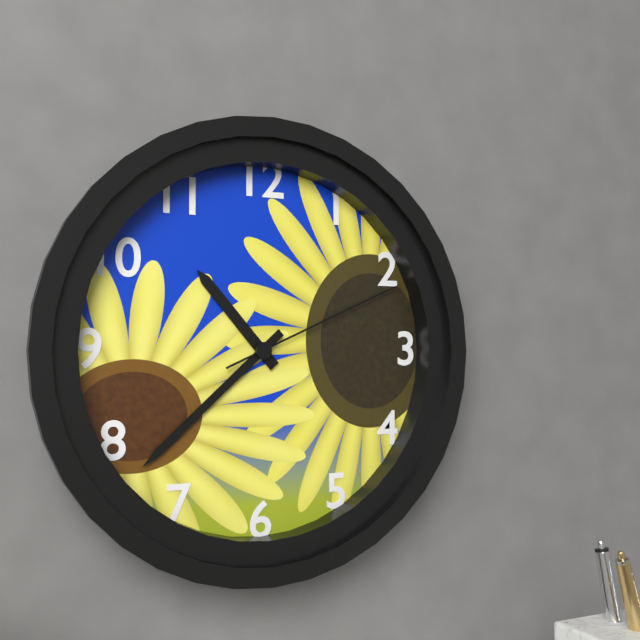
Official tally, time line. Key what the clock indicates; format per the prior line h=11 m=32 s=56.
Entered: h=10 m=38 s=11
